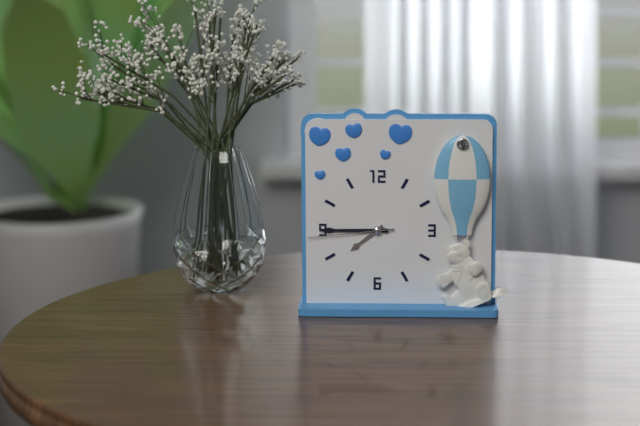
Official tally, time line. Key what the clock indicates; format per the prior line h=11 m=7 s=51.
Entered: h=7 m=45 s=44
